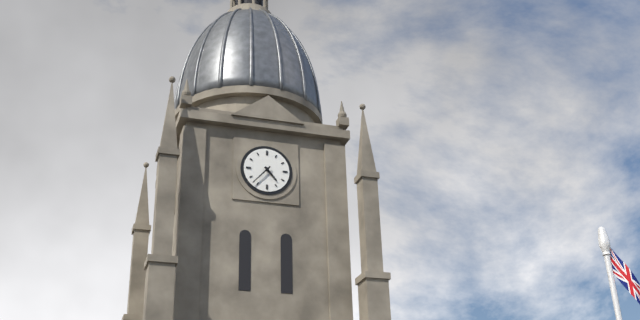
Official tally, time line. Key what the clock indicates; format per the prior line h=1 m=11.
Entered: h=4 m=37
